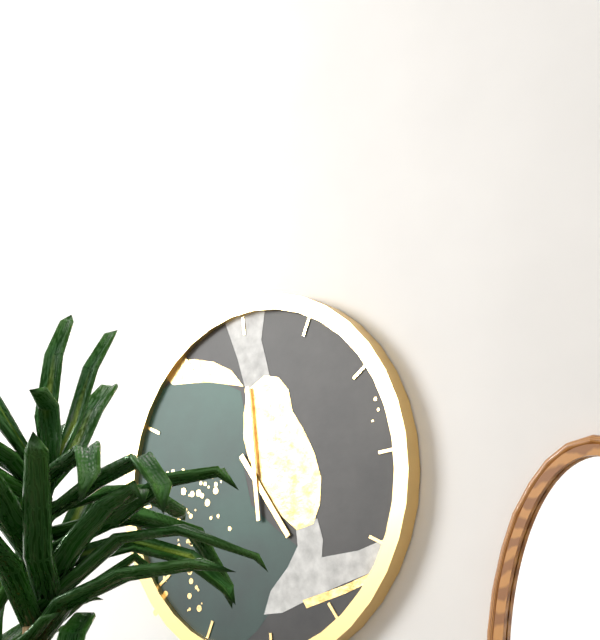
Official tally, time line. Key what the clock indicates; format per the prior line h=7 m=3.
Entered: h=5 m=0
